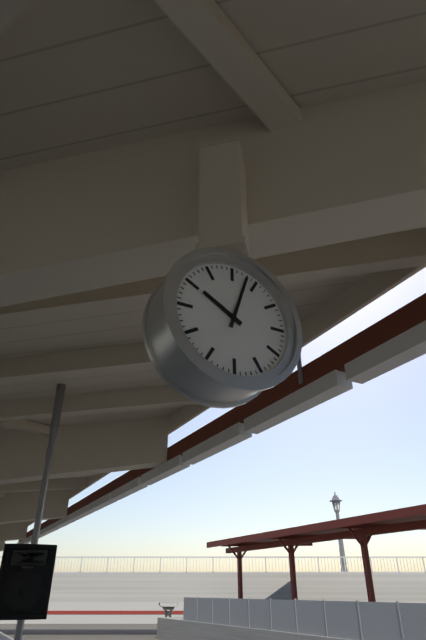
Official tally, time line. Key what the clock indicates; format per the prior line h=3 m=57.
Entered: h=10 m=3
